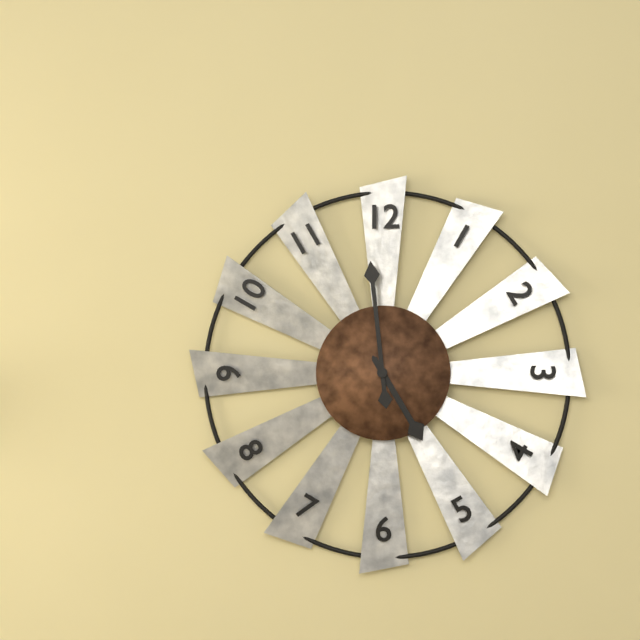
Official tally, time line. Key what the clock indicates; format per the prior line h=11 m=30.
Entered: h=4 m=59
